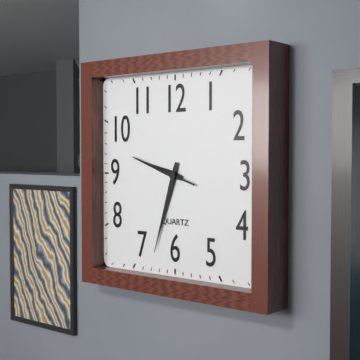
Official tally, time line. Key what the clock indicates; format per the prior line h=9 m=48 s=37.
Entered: h=9 m=33 s=48
